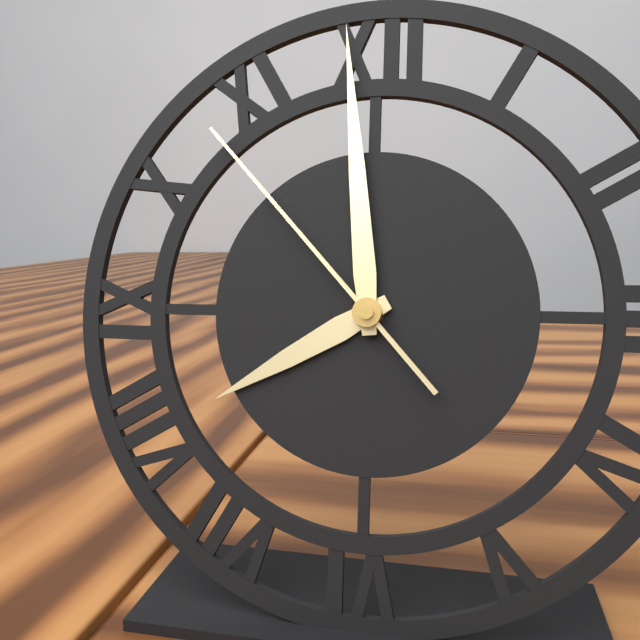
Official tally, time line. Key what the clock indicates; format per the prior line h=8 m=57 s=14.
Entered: h=7 m=59 s=53
